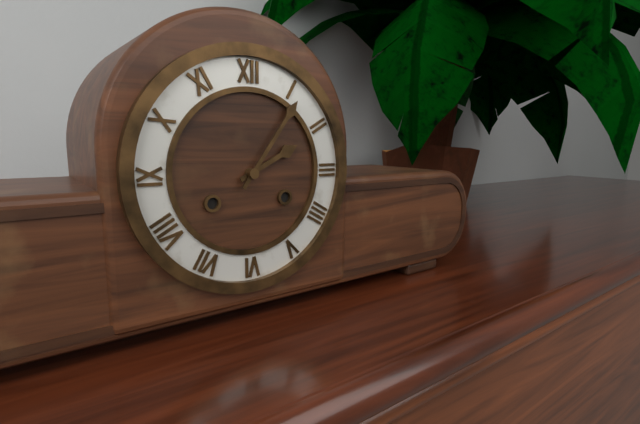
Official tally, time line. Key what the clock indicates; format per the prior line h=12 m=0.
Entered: h=2 m=6
